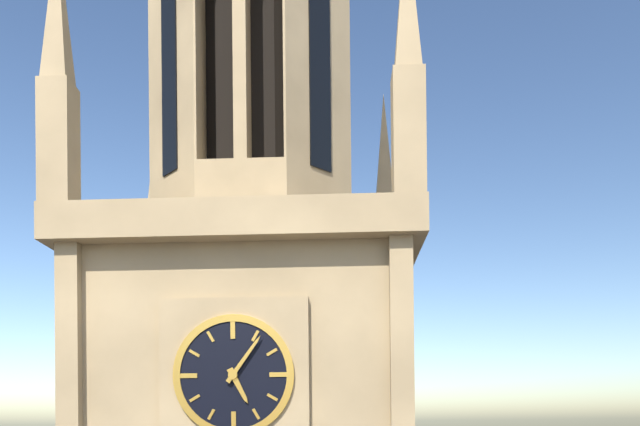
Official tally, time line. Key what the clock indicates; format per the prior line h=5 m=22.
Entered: h=5 m=6
